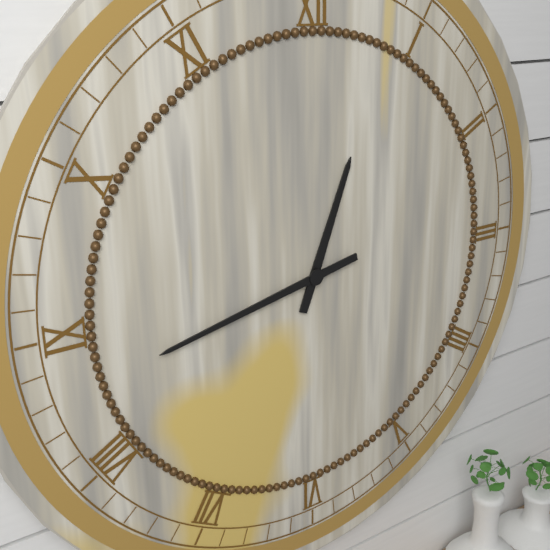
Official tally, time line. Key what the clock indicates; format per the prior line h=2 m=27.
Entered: h=12 m=43
